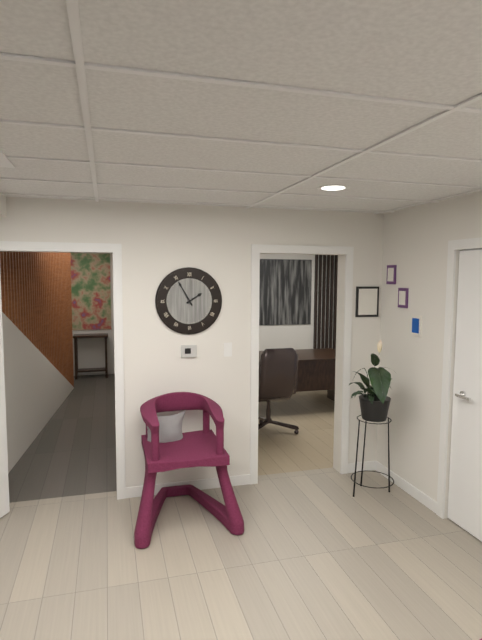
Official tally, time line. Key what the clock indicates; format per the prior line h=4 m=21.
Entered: h=1 m=55
